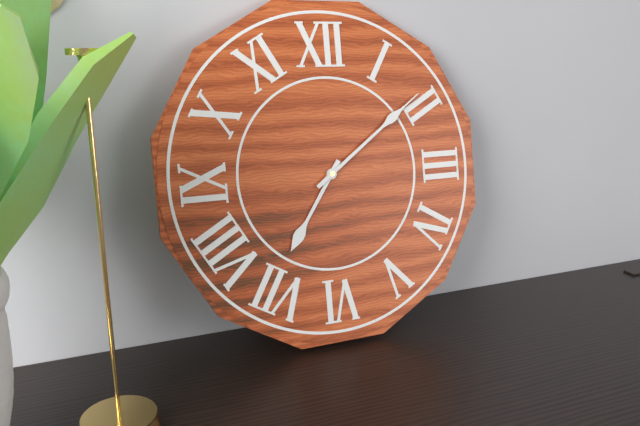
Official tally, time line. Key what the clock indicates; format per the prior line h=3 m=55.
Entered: h=7 m=9
